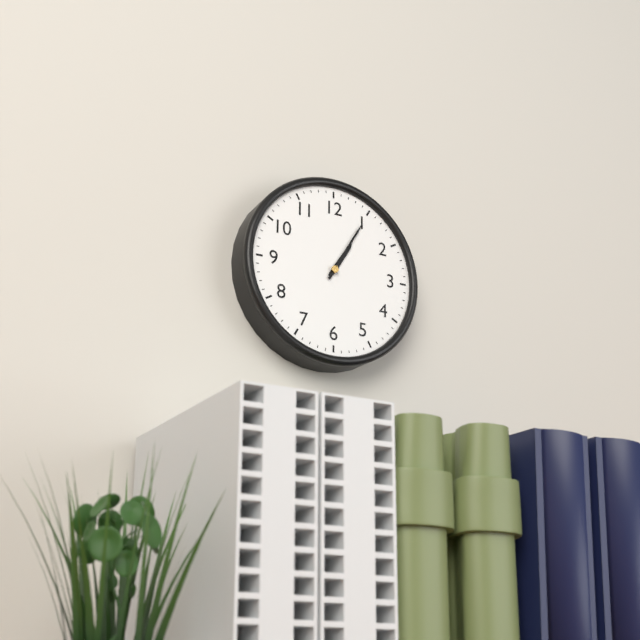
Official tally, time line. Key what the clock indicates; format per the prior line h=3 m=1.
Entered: h=1 m=5
